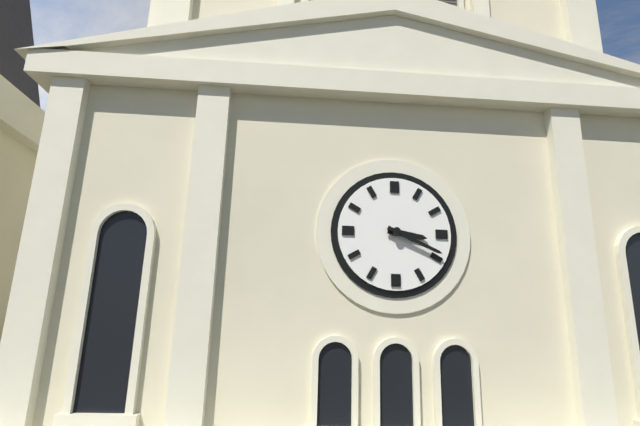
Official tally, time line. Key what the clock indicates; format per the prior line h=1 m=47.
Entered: h=3 m=19
